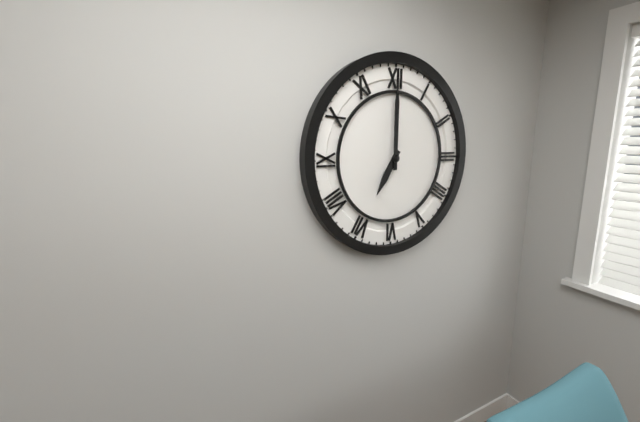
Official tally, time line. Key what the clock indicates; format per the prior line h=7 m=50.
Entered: h=7 m=0
